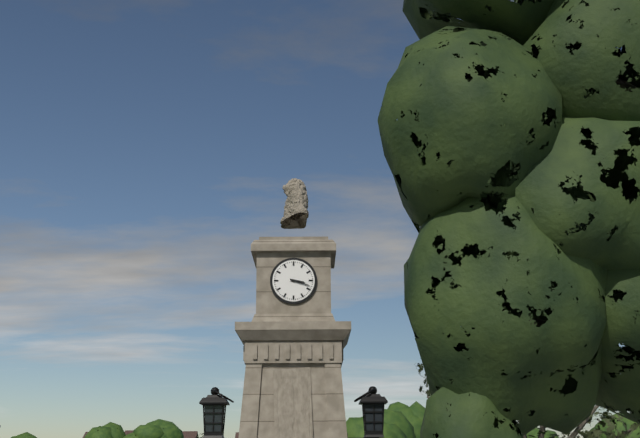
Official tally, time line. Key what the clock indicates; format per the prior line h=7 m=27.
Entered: h=3 m=18
